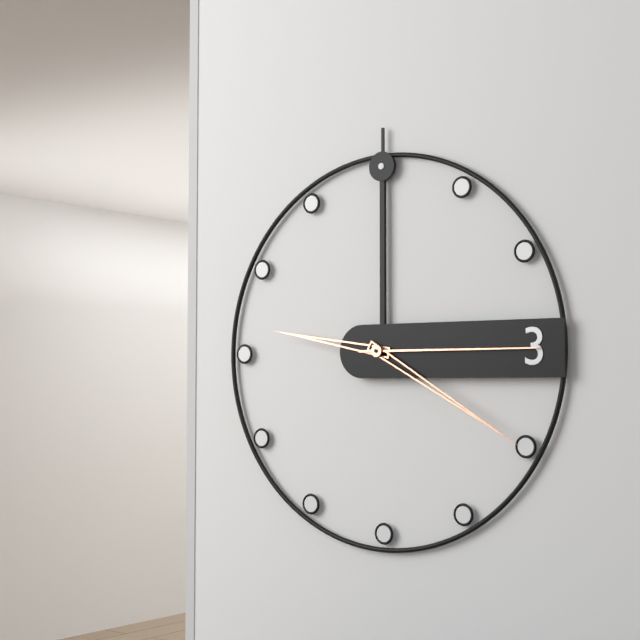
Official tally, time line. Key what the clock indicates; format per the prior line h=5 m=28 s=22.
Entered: h=9 m=20 s=15
